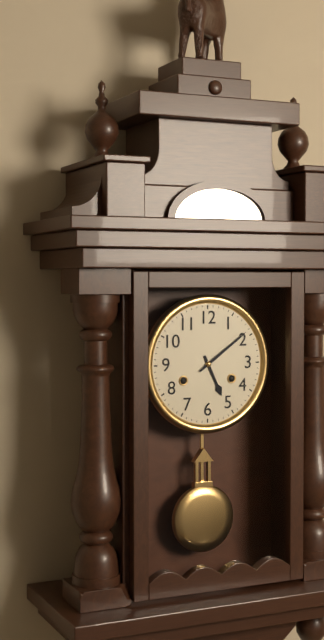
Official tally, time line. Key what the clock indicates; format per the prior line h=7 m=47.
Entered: h=5 m=9
